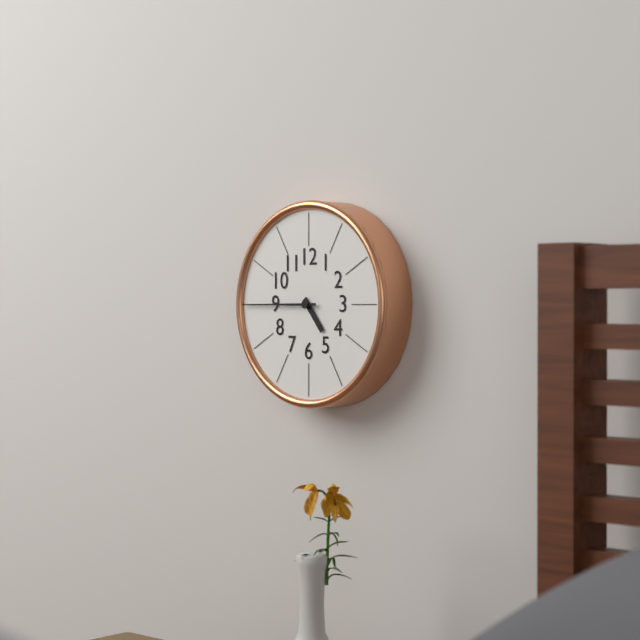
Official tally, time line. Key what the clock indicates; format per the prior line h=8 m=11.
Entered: h=4 m=45
